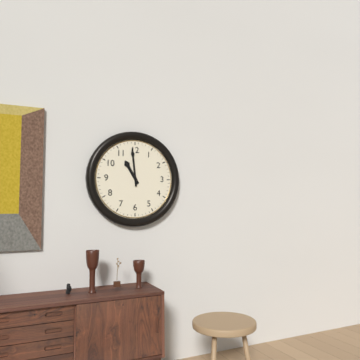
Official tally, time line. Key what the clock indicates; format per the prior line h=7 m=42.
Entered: h=10 m=59
